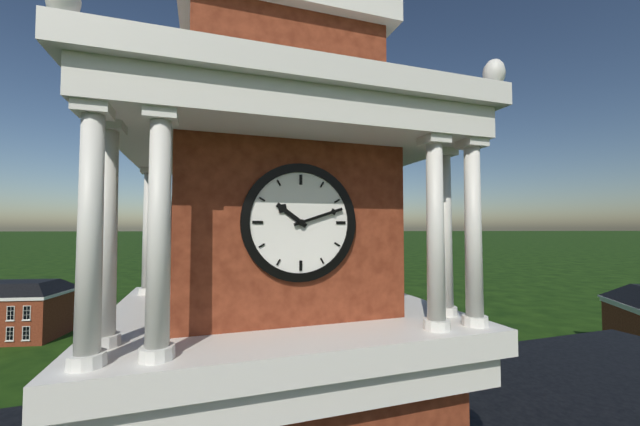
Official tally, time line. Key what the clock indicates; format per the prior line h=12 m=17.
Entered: h=10 m=12
